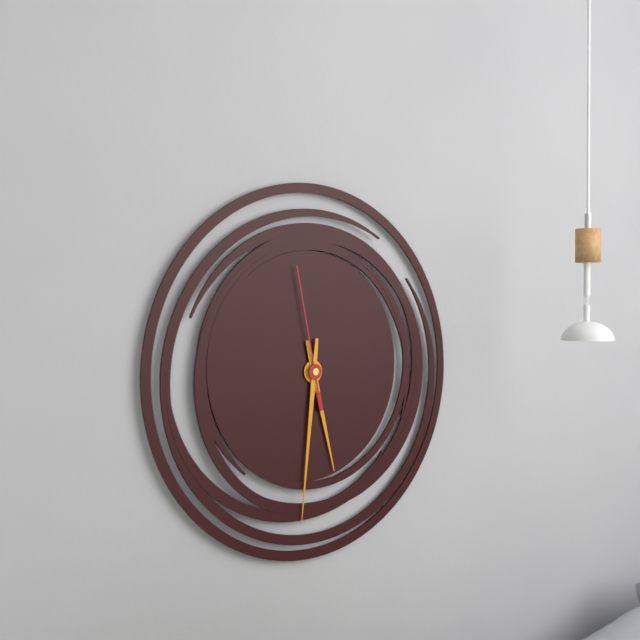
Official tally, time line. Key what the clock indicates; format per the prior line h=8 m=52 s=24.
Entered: h=5 m=31 s=58
